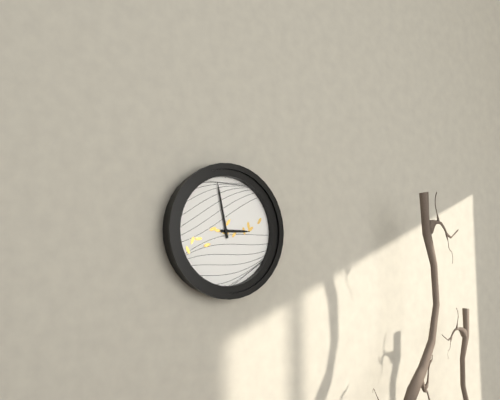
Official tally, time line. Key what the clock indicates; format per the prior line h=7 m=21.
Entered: h=2 m=58
